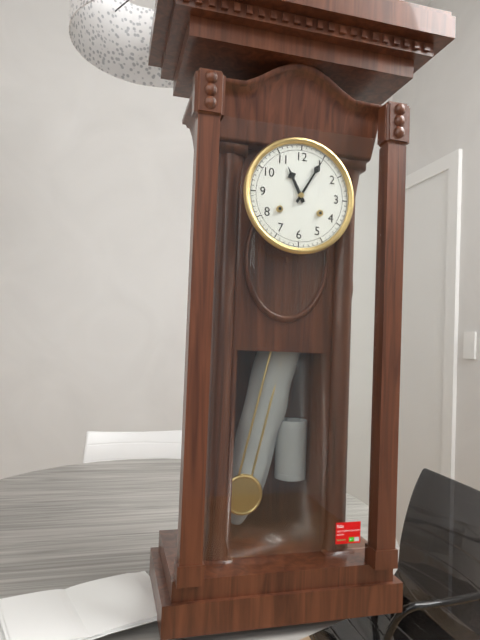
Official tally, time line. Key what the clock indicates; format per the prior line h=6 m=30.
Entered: h=11 m=5
